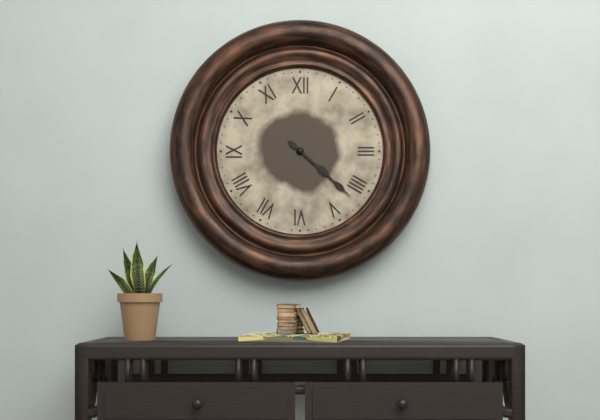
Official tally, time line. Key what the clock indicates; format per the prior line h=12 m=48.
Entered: h=4 m=22
